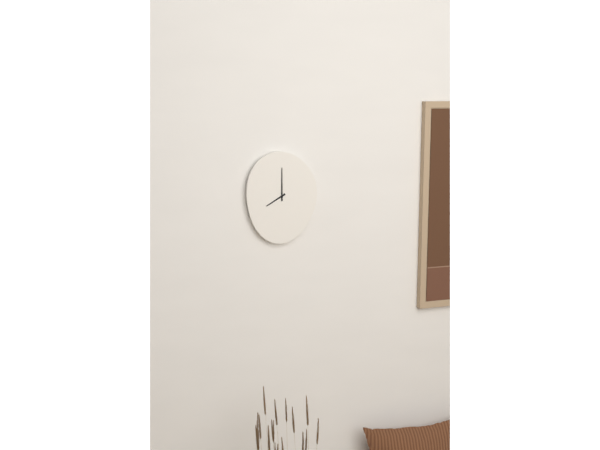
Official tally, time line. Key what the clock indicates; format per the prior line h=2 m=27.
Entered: h=8 m=0
